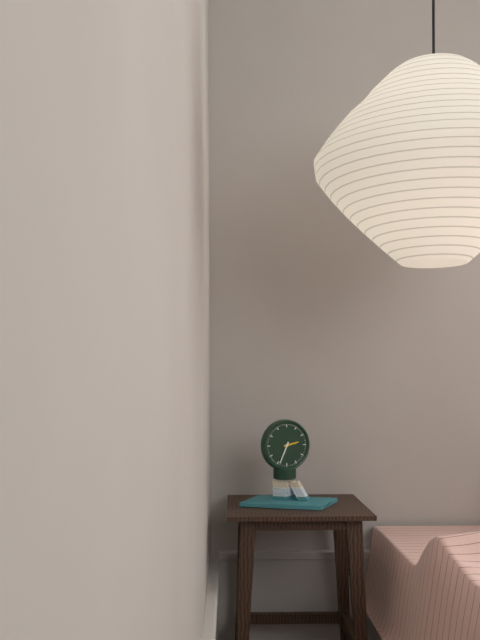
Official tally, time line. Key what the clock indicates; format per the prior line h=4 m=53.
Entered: h=2 m=34
